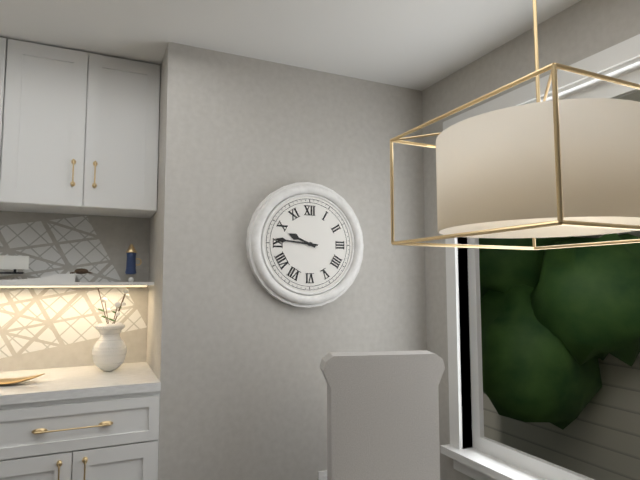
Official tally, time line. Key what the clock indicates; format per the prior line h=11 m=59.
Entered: h=9 m=46
